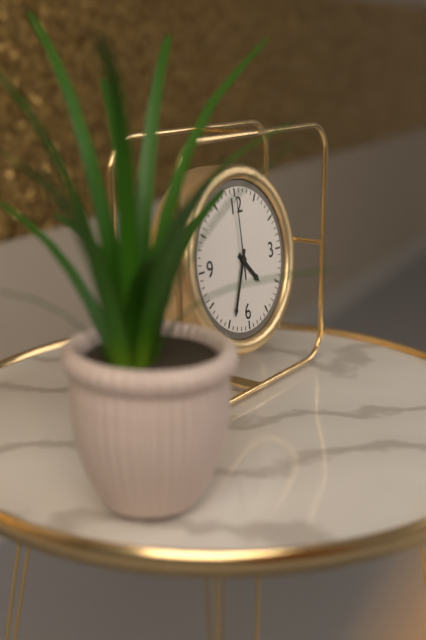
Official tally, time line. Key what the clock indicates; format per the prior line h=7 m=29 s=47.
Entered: h=4 m=34 s=0
